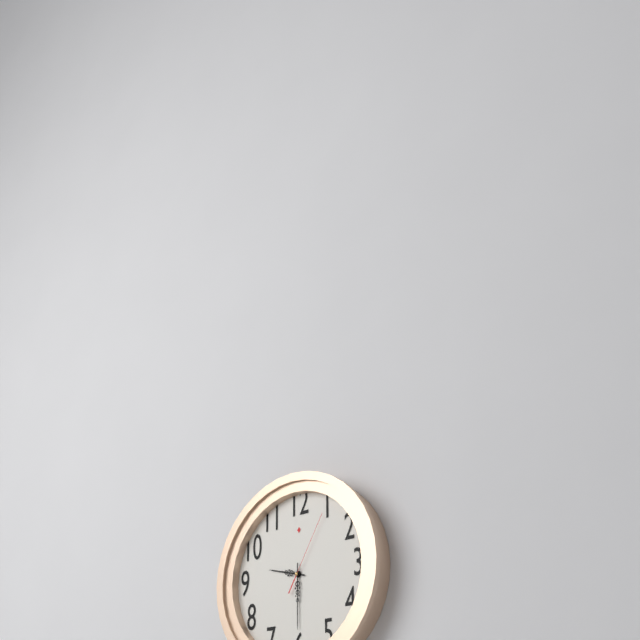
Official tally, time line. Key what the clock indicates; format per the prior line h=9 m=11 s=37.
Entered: h=9 m=30 s=5
